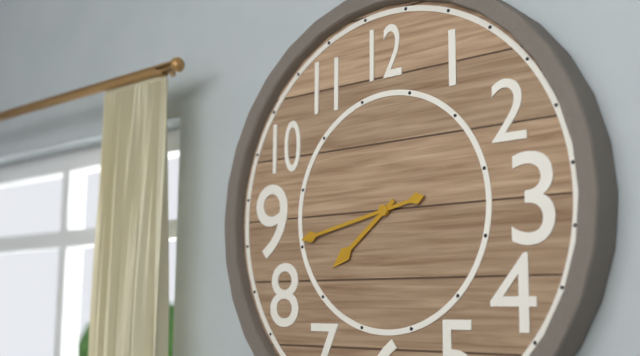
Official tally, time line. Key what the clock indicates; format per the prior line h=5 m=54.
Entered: h=7 m=43
